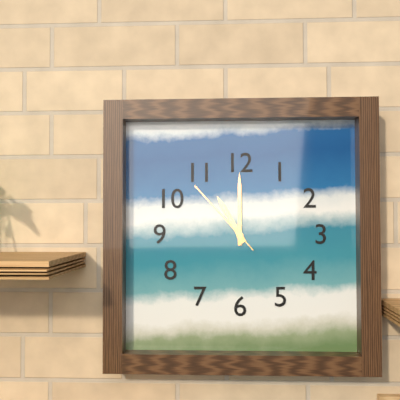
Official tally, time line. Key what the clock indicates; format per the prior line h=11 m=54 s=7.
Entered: h=11 m=0 s=53
